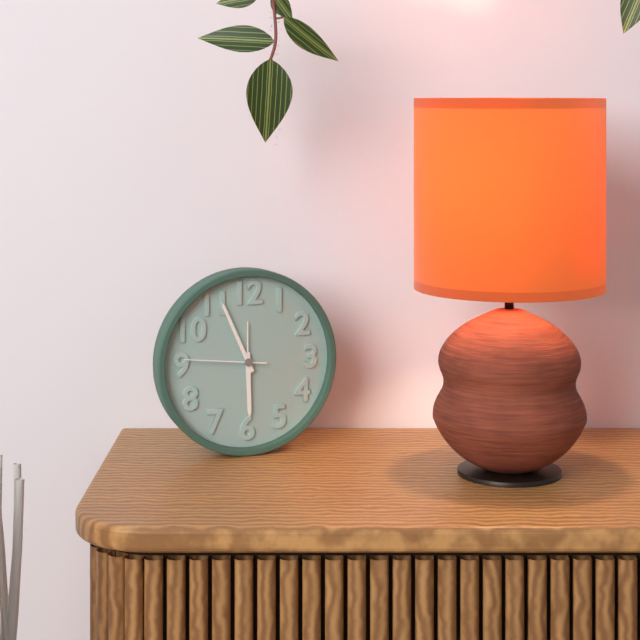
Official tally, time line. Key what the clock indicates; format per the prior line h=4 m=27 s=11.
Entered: h=5 m=56 s=46
